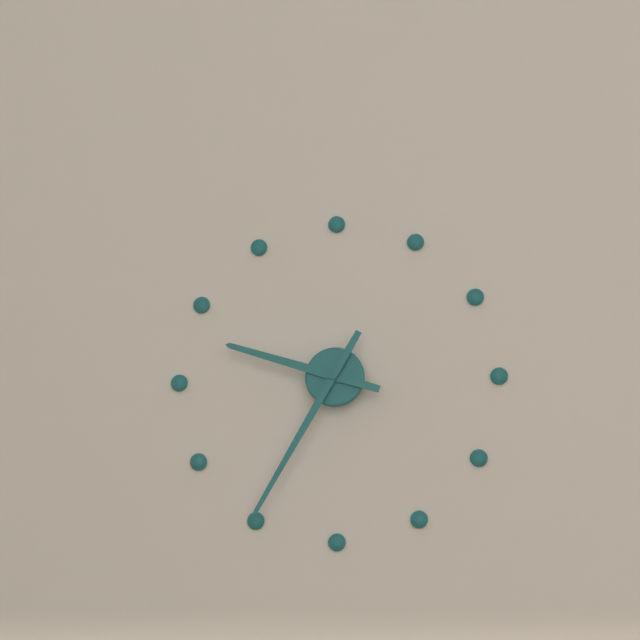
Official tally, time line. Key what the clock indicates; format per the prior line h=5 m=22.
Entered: h=9 m=35
